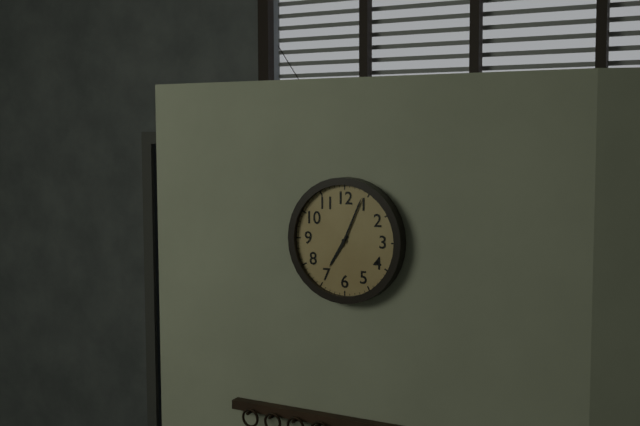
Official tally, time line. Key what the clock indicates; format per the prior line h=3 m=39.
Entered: h=7 m=4
